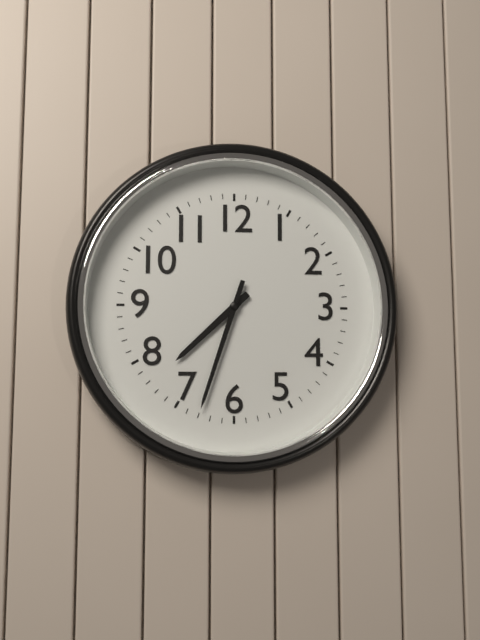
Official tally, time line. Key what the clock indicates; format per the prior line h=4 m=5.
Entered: h=7 m=33
